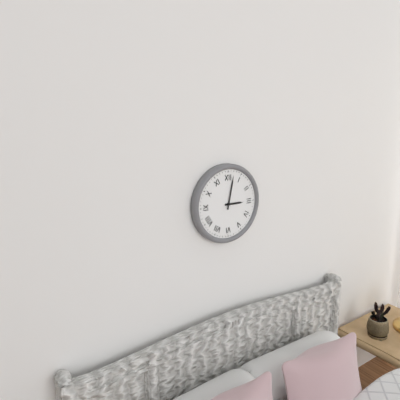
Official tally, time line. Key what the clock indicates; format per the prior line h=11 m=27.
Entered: h=3 m=2
